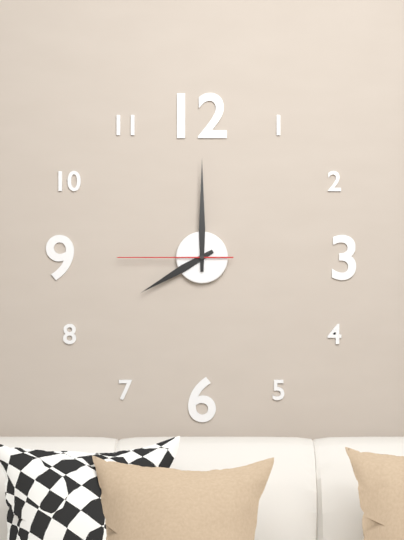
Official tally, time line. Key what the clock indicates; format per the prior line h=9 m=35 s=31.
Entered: h=8 m=0 s=45
